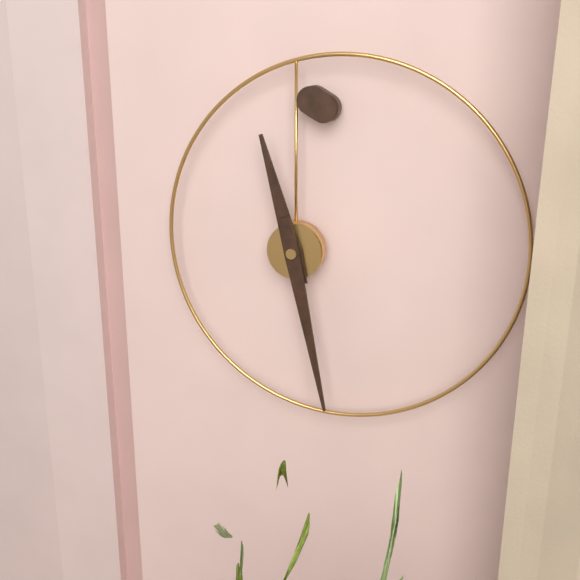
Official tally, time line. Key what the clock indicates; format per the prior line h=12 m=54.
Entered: h=11 m=28
